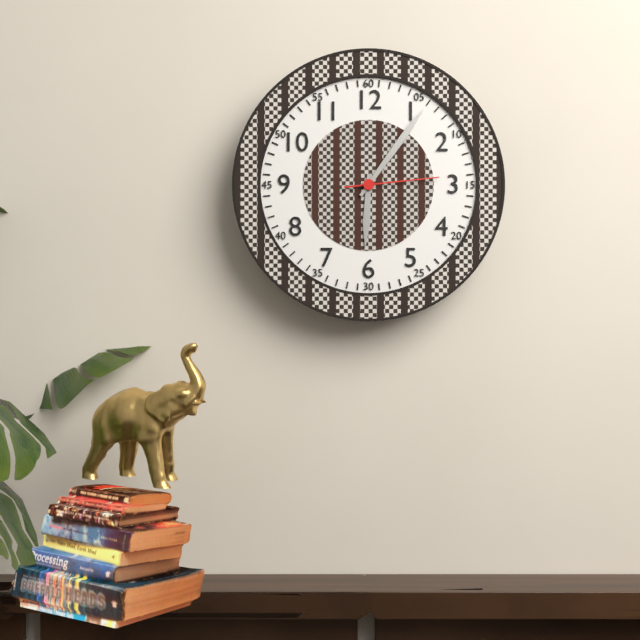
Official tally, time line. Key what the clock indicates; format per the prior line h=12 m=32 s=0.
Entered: h=6 m=6 s=14
